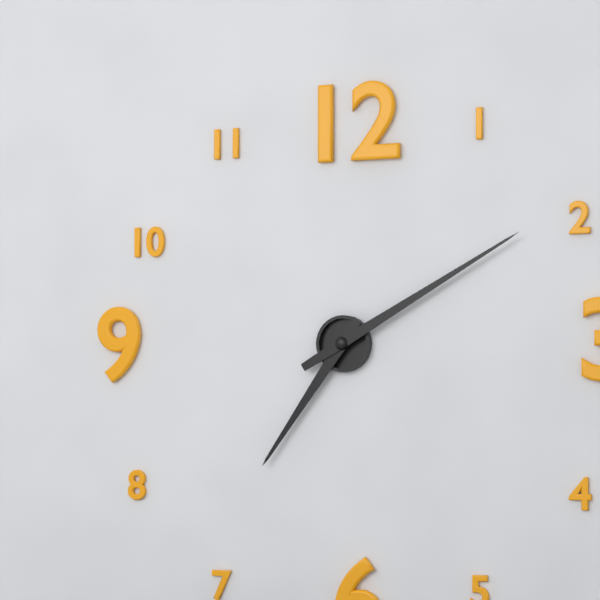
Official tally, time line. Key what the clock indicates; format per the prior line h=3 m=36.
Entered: h=7 m=10
